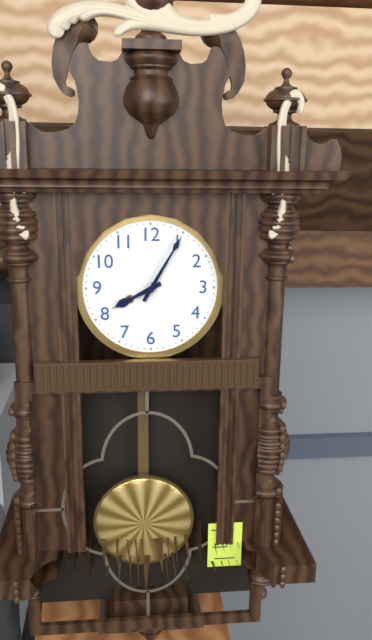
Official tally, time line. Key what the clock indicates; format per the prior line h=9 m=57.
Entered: h=8 m=5
